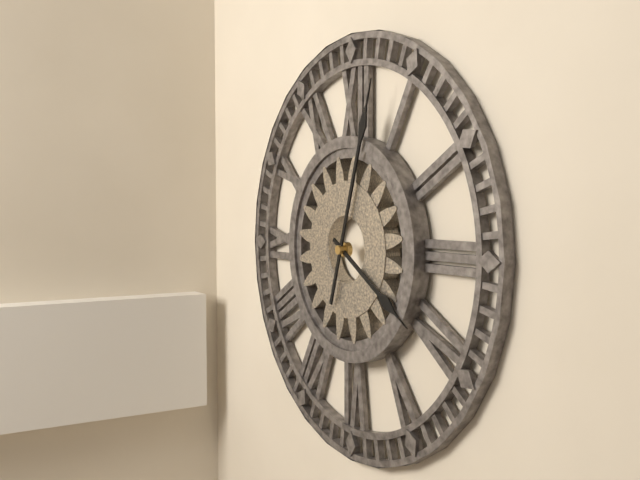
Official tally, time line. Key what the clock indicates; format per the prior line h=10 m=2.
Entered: h=4 m=3
